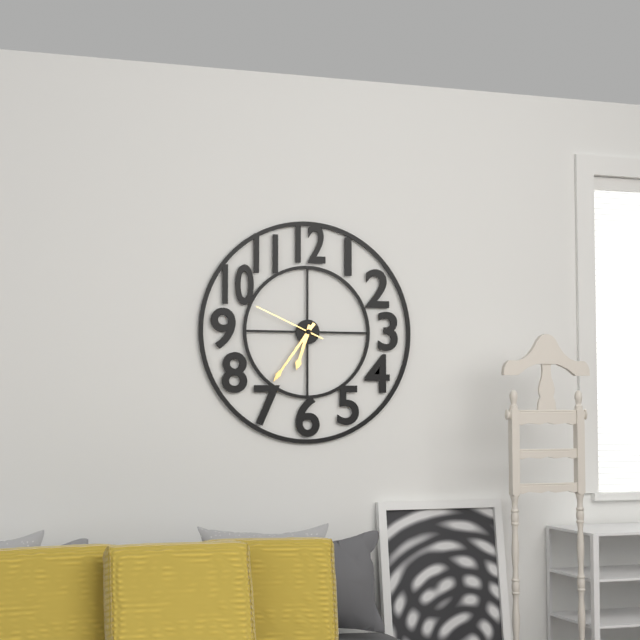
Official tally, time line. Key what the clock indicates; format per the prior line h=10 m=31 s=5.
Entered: h=6 m=36 s=49
